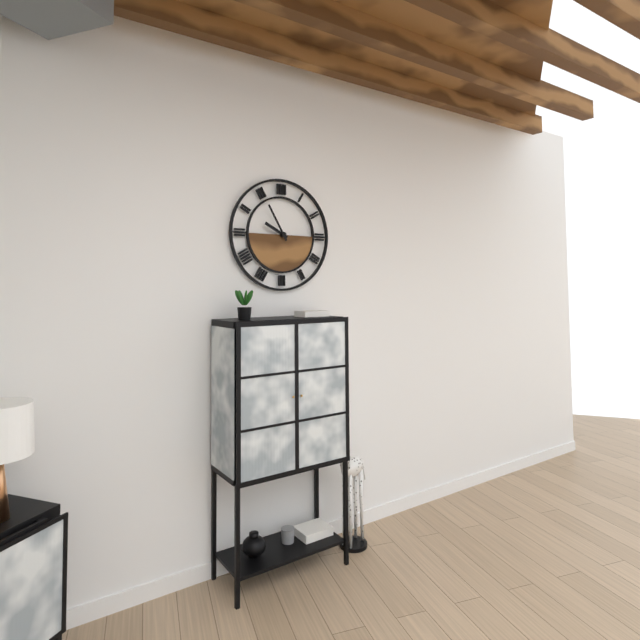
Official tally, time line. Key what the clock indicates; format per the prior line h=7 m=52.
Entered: h=9 m=55
